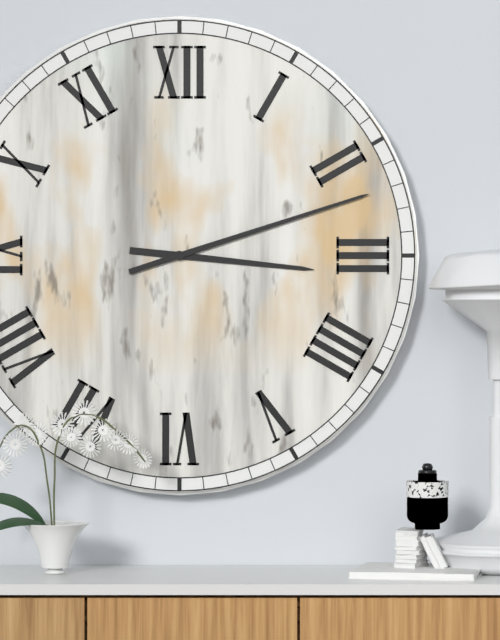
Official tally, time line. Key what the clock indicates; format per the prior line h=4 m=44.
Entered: h=3 m=12
